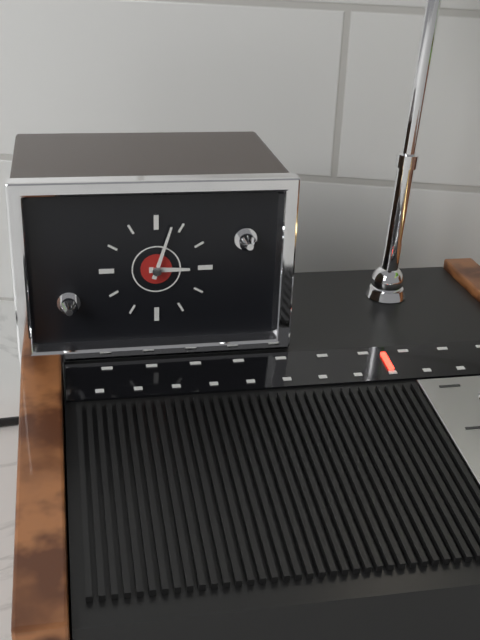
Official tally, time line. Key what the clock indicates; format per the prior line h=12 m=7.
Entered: h=3 m=3
